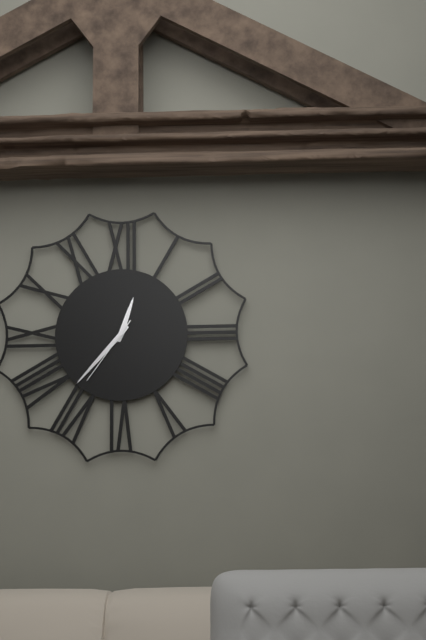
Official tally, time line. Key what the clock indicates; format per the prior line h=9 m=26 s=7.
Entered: h=12 m=37 s=36
